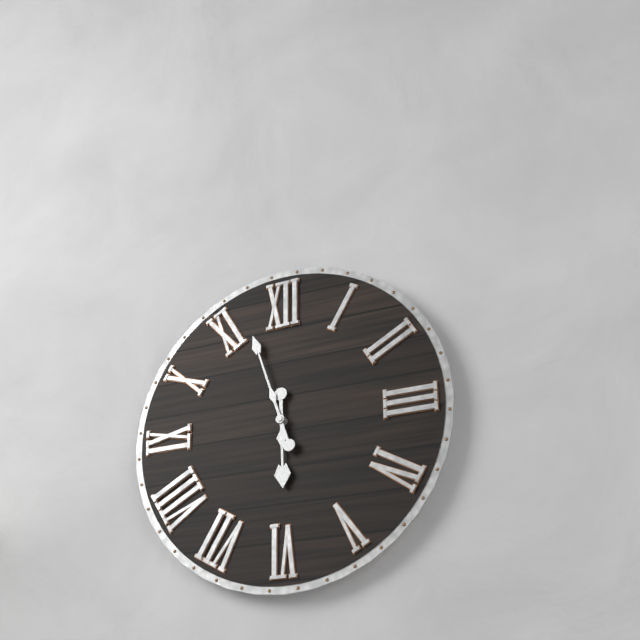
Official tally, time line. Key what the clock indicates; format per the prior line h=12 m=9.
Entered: h=5 m=57
